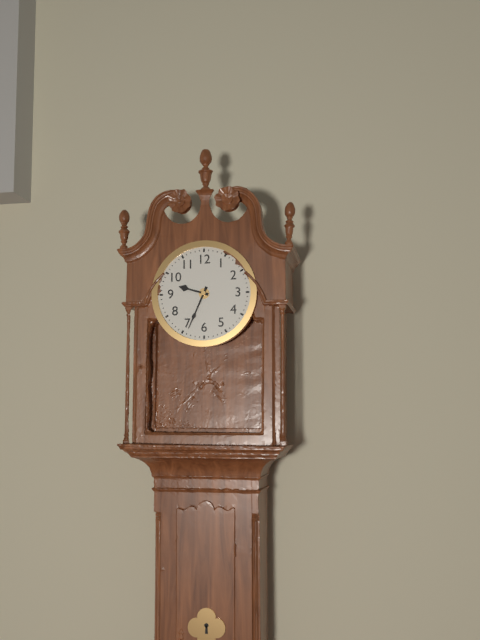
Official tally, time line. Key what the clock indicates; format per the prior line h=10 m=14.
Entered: h=9 m=34
